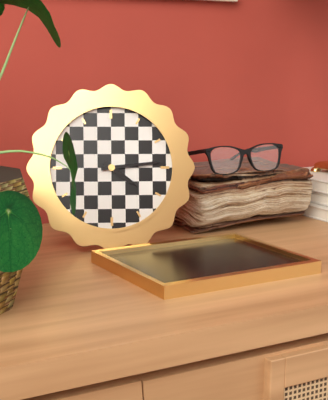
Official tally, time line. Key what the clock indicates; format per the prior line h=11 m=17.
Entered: h=4 m=14
